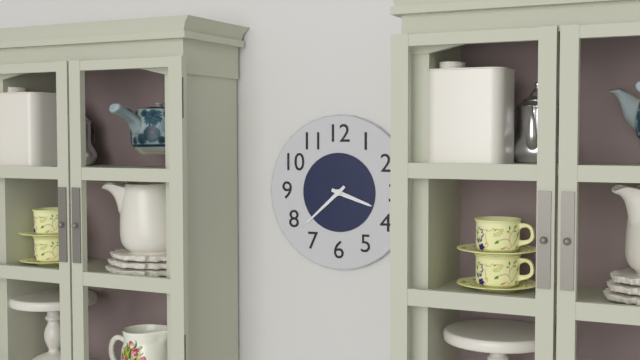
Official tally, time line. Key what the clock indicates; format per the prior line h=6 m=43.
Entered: h=3 m=38
